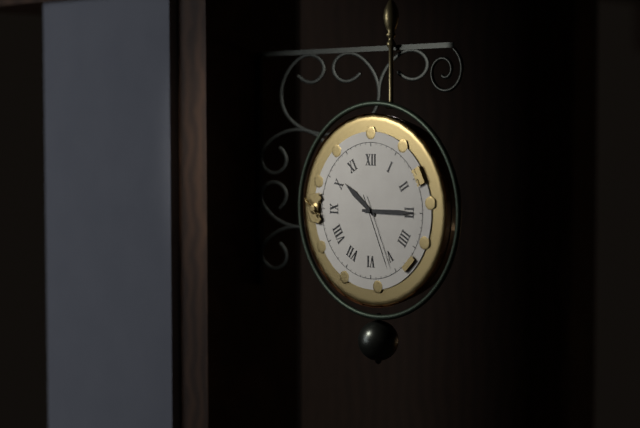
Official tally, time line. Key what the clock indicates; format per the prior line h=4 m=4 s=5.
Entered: h=10 m=15 s=26
